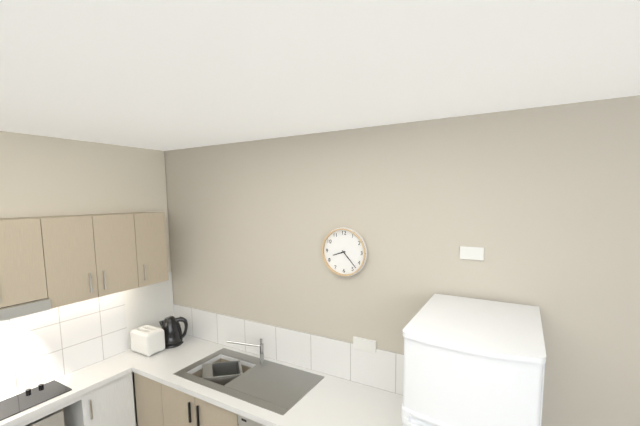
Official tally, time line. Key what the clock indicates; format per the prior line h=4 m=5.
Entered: h=8 m=23
